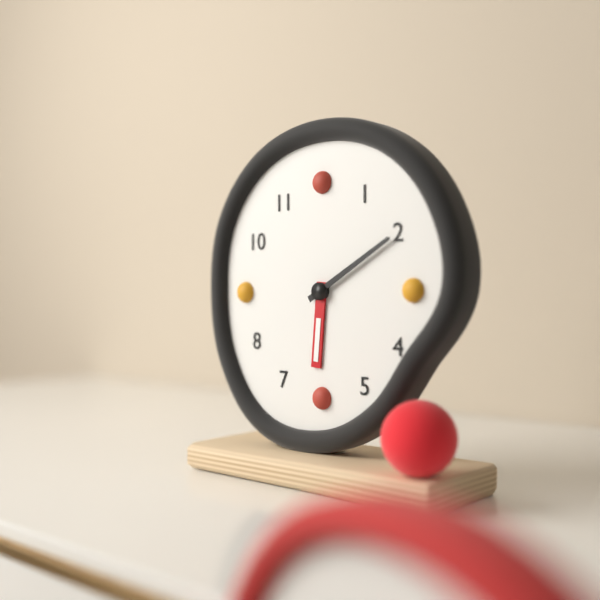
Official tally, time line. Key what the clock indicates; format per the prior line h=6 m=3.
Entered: h=6 m=10
